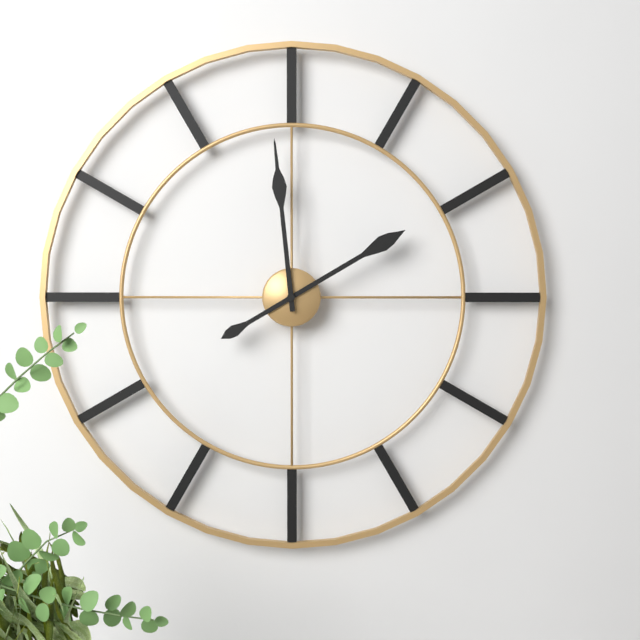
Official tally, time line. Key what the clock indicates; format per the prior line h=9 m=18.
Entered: h=1 m=59
